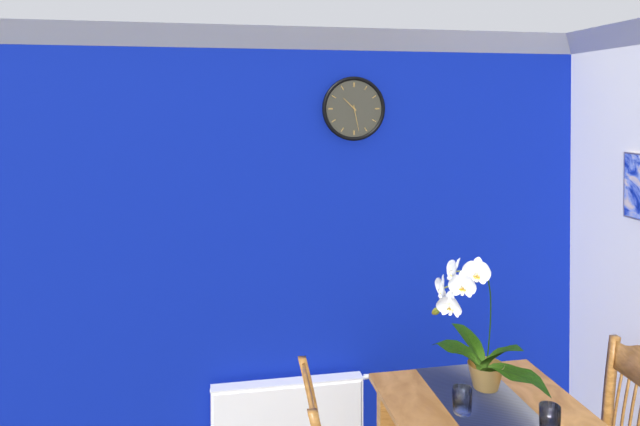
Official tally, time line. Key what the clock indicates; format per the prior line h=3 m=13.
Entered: h=10 m=28
